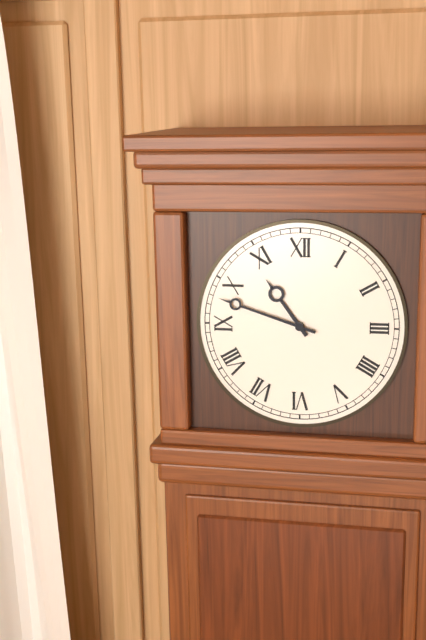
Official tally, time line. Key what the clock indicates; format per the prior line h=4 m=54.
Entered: h=10 m=48
